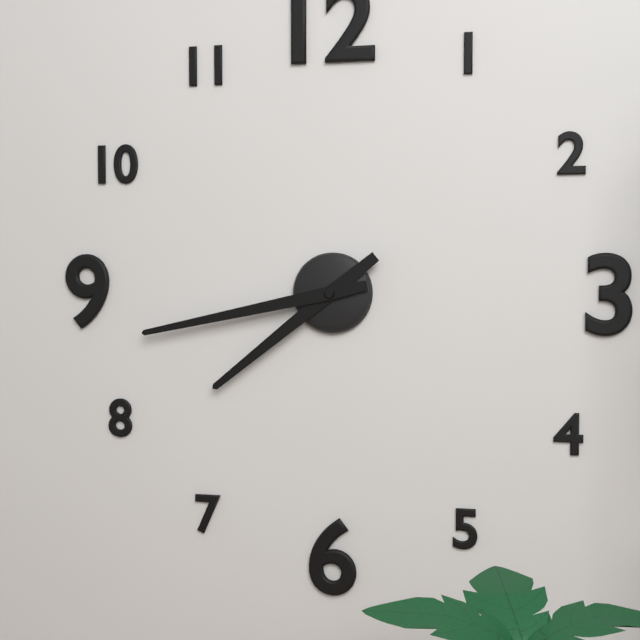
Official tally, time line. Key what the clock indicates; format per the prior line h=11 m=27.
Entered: h=7 m=43
